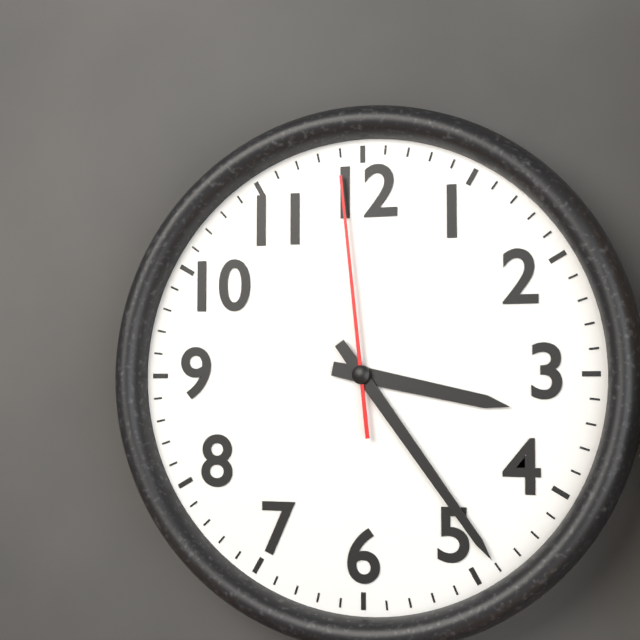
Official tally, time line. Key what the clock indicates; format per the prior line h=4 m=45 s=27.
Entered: h=3 m=24 s=59
